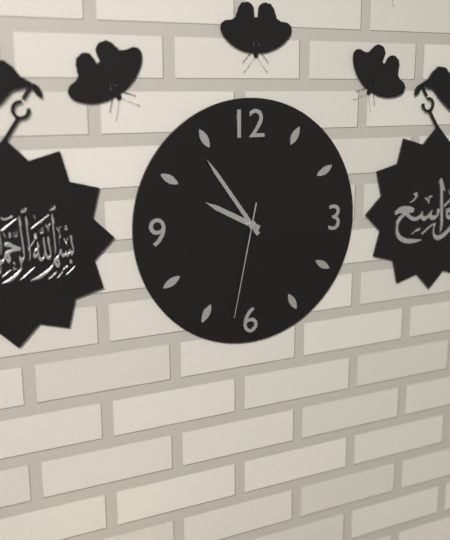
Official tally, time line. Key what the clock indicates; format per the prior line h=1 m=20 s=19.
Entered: h=9 m=54 s=32
